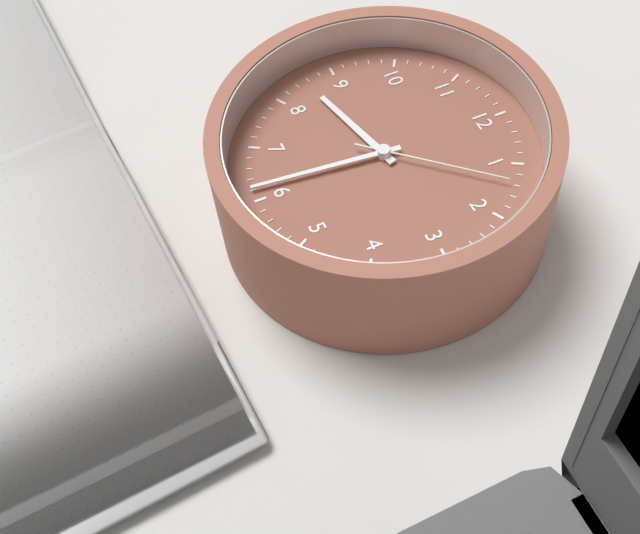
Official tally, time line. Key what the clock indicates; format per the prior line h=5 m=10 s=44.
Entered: h=8 m=31 s=7
